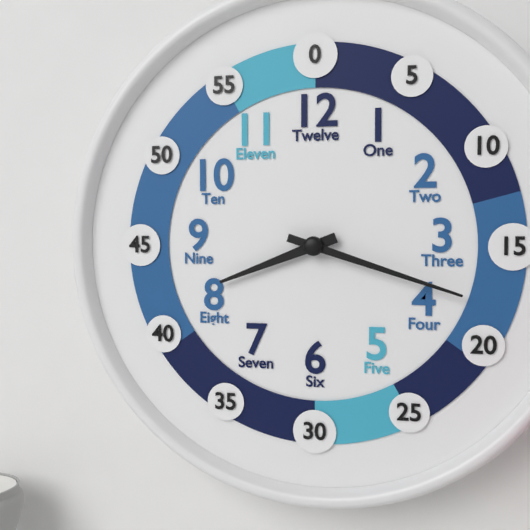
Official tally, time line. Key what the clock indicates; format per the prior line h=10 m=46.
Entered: h=8 m=18
